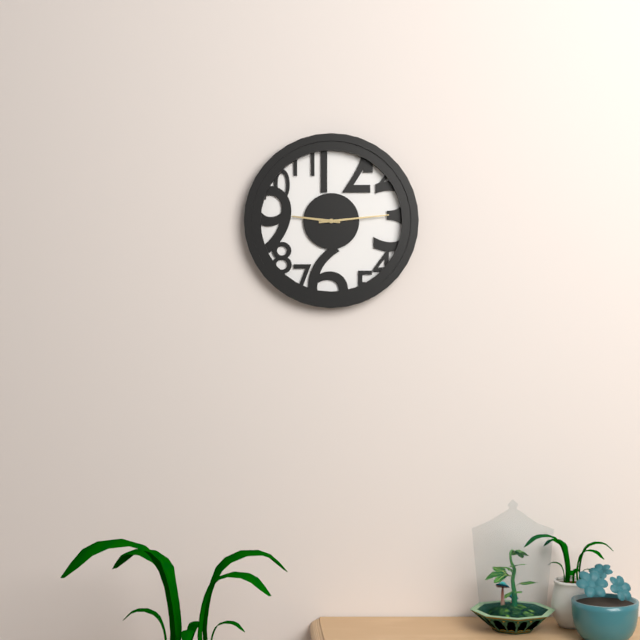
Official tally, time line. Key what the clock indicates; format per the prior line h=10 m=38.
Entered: h=9 m=14
